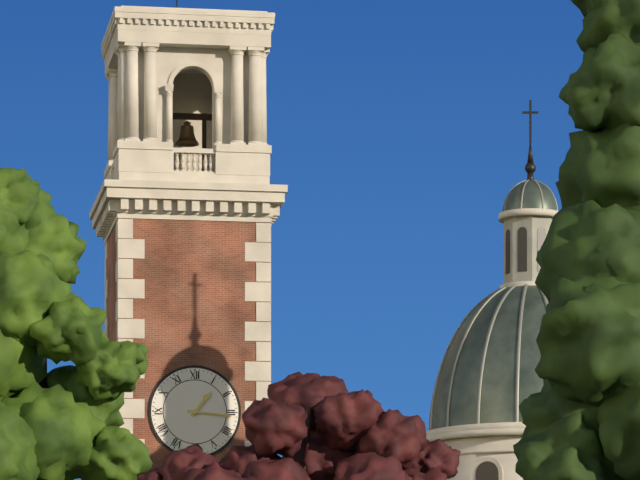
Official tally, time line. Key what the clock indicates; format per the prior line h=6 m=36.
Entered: h=1 m=16
